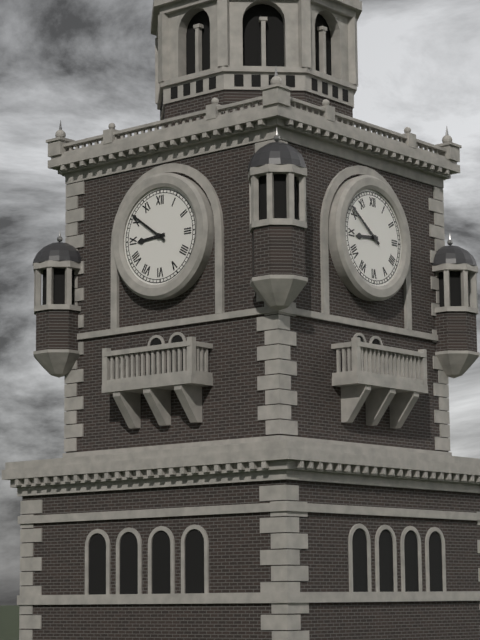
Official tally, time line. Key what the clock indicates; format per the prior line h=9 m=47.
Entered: h=8 m=51
